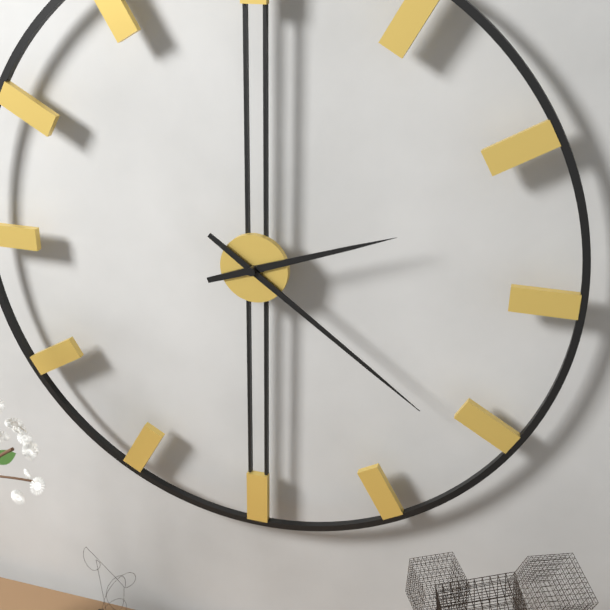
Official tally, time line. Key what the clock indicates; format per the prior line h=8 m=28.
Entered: h=2 m=21
